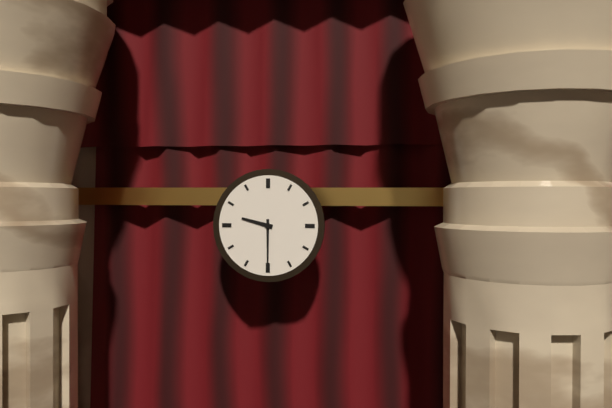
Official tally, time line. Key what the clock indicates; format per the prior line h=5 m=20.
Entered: h=9 m=30
